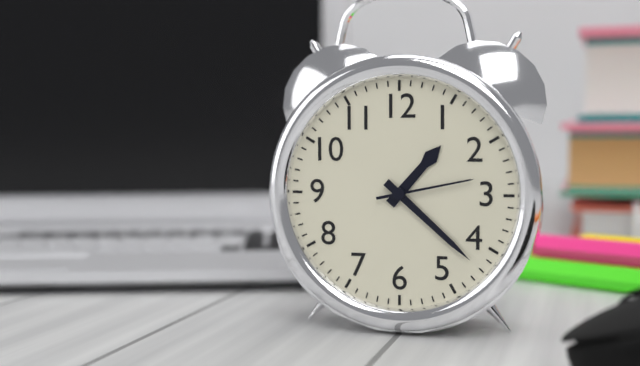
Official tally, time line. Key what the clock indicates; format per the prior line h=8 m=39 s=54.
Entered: h=1 m=22 s=13
